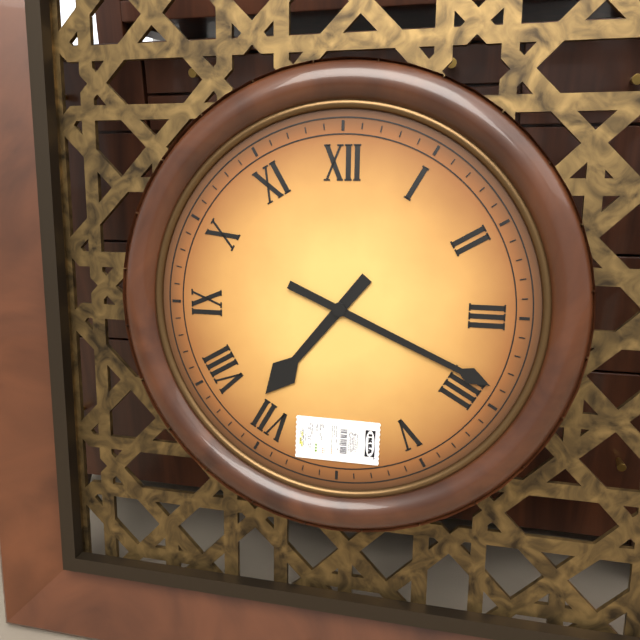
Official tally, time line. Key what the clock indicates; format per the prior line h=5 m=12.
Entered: h=7 m=19
